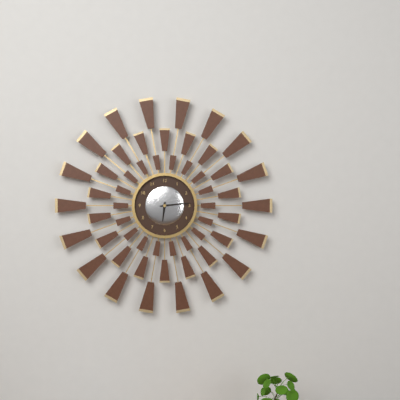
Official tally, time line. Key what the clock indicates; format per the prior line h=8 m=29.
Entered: h=6 m=14
